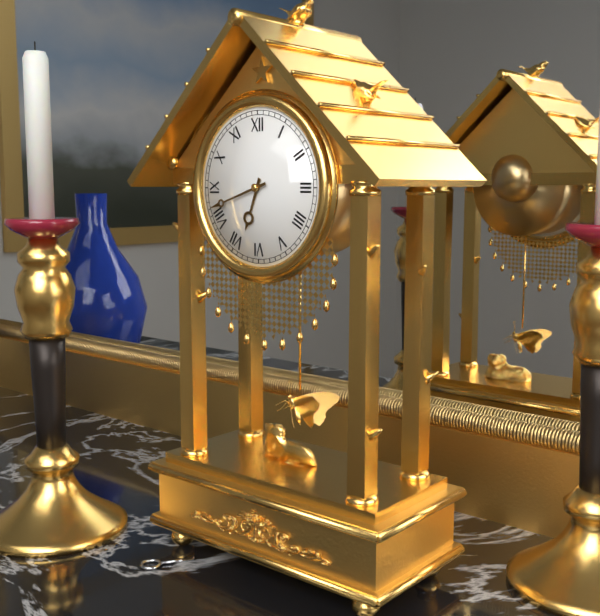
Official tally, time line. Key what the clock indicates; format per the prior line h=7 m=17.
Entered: h=6 m=42
